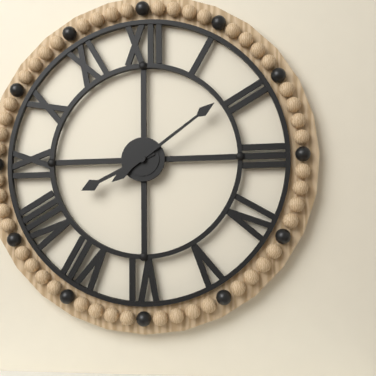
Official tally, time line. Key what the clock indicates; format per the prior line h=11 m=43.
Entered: h=8 m=9
